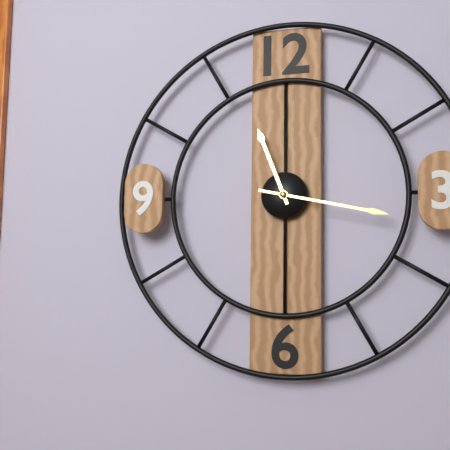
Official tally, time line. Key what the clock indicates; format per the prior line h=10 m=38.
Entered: h=11 m=17
